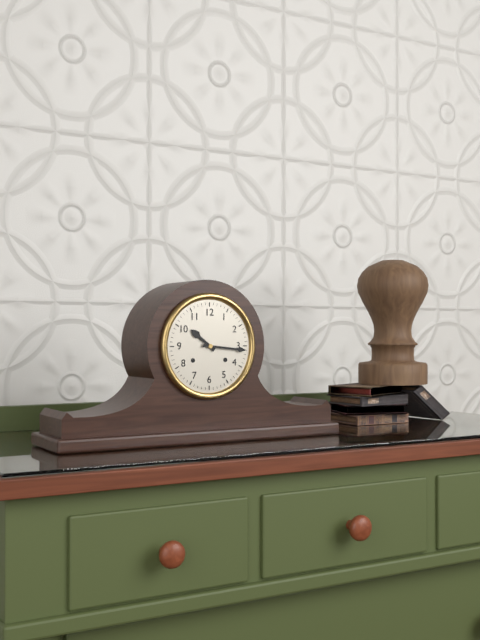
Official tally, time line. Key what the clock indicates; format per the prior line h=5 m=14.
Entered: h=10 m=16
